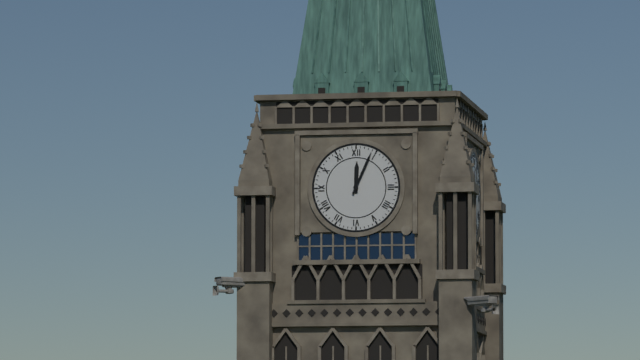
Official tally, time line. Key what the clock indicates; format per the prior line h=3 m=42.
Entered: h=12 m=4
